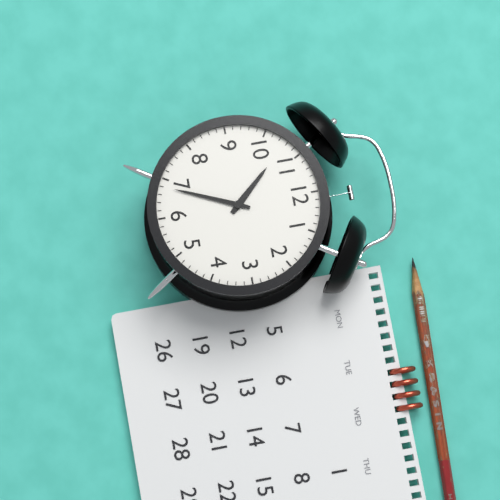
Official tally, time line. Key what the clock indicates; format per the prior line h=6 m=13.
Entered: h=10 m=34
